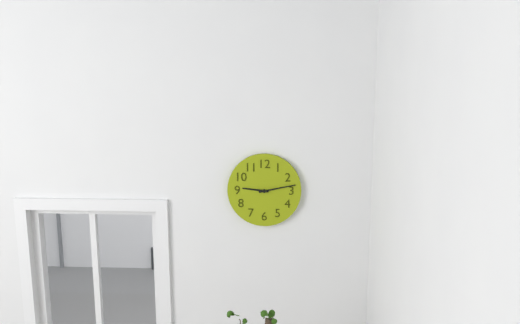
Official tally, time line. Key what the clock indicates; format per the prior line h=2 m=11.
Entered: h=9 m=13
